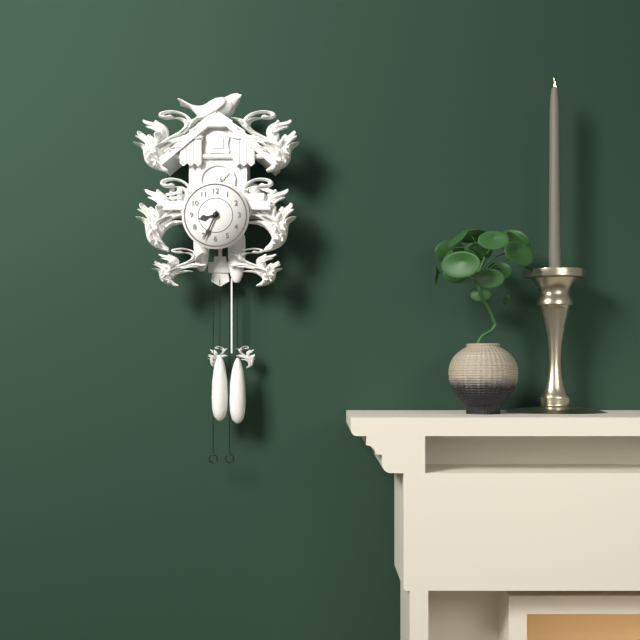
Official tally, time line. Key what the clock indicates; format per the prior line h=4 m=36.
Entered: h=8 m=34
